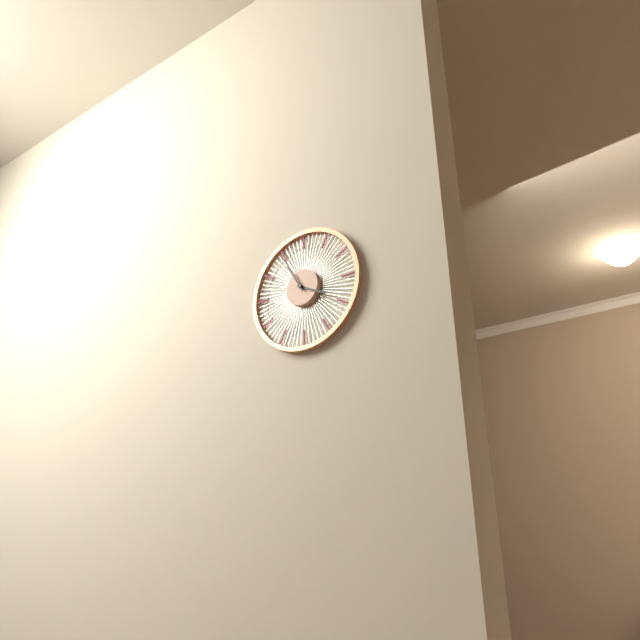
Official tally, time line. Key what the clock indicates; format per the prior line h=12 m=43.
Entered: h=3 m=55
